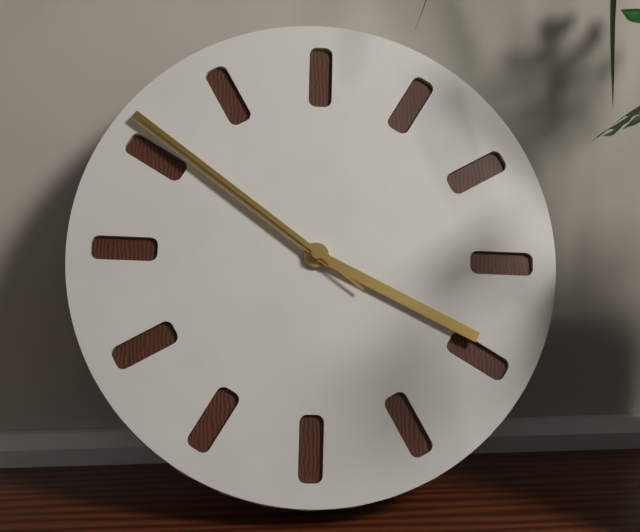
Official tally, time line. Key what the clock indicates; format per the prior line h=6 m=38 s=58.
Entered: h=3 m=51 s=51
